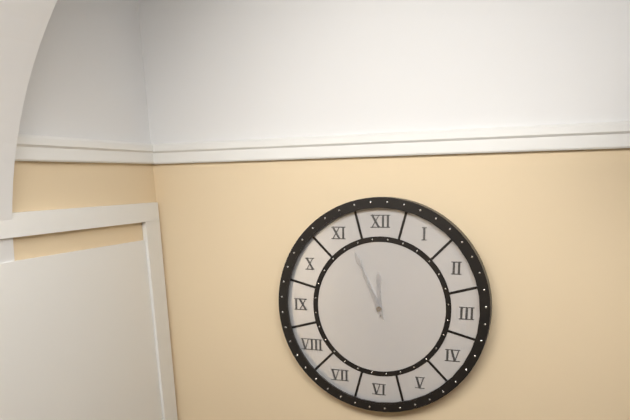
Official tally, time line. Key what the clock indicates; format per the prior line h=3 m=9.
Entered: h=11 m=56
